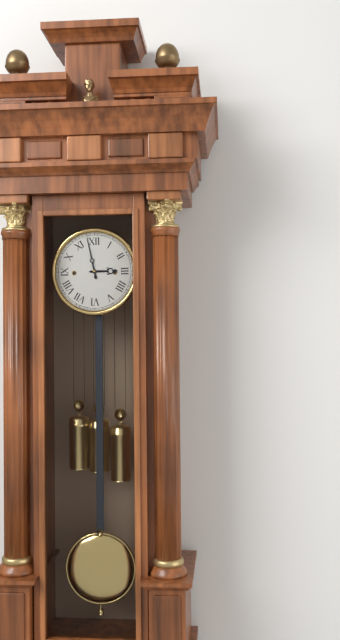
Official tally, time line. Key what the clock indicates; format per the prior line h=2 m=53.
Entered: h=2 m=58
